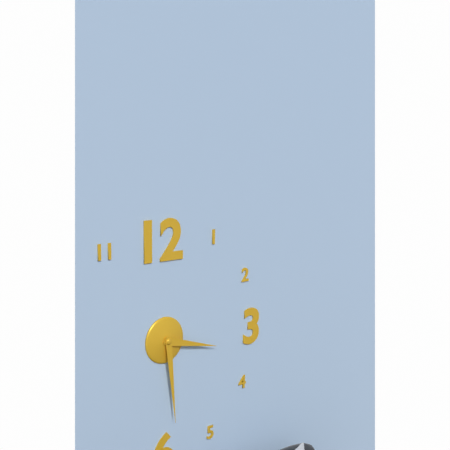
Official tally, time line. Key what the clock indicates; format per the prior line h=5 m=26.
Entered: h=3 m=29
